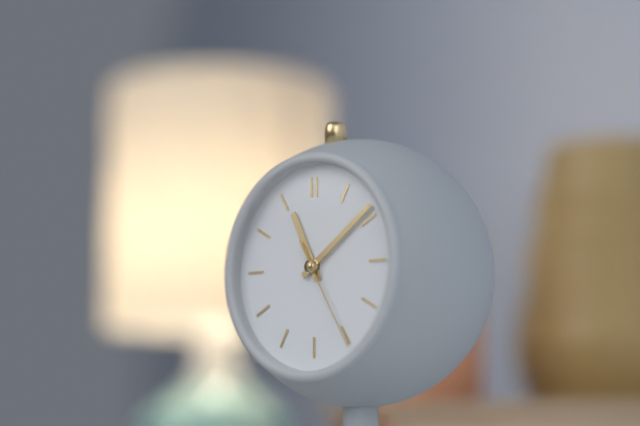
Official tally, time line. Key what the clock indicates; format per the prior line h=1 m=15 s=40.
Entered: h=11 m=9 s=25
